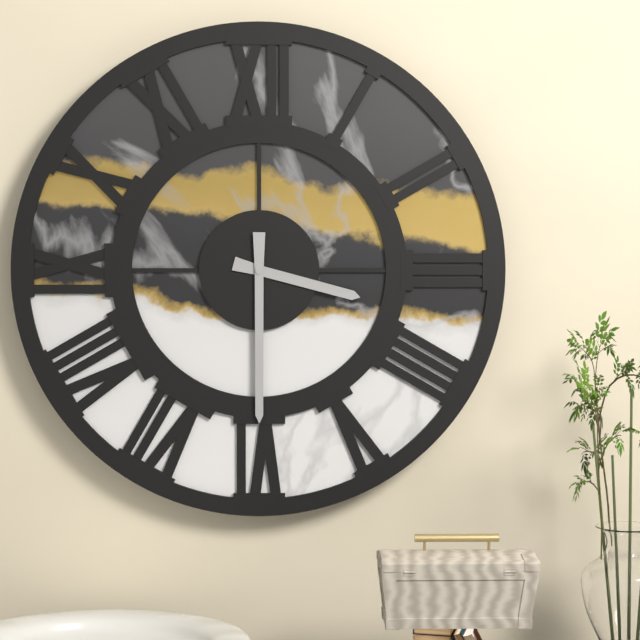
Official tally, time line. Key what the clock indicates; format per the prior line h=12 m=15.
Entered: h=3 m=30
